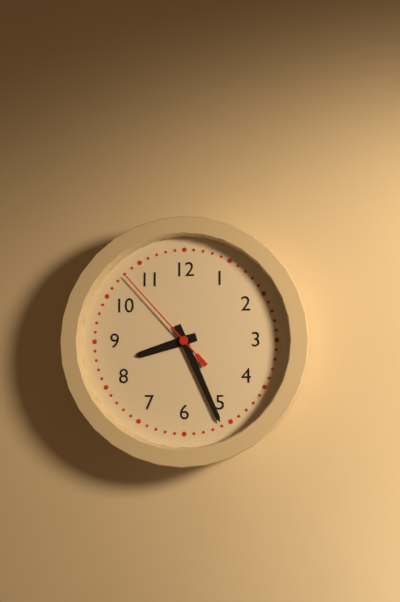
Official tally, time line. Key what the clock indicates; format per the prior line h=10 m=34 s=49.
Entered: h=8 m=26 s=53
